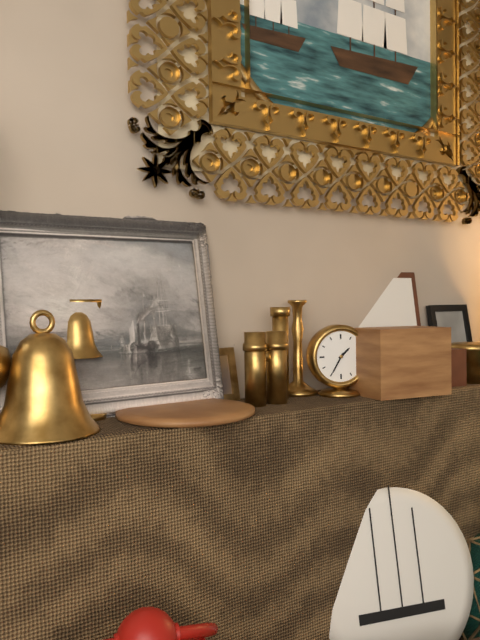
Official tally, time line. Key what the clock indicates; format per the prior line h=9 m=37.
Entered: h=1 m=35
